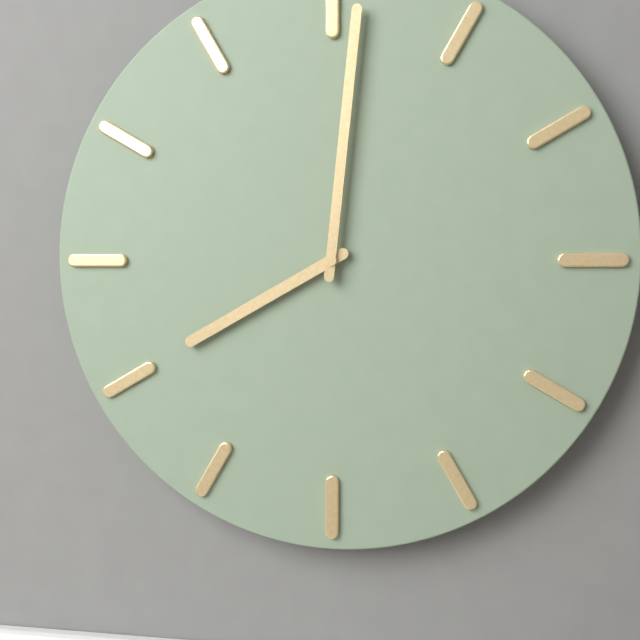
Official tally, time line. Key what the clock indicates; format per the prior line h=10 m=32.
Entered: h=8 m=1
